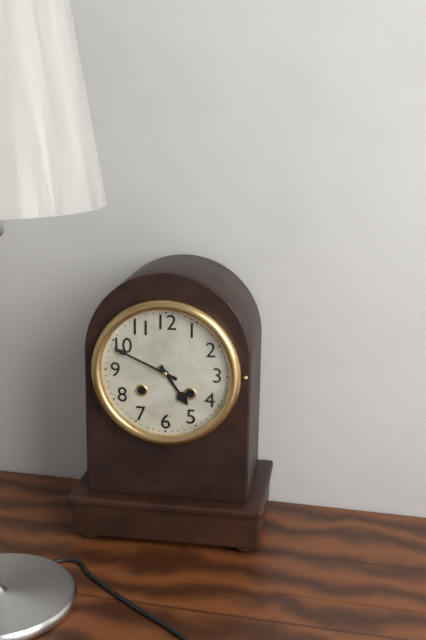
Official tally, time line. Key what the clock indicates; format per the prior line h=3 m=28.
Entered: h=4 m=49
